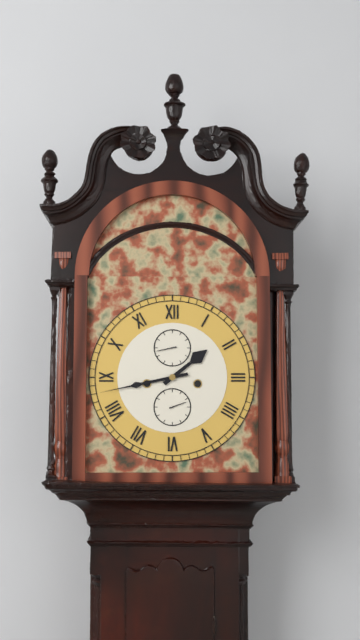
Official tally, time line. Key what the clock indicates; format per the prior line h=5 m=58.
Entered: h=1 m=43
